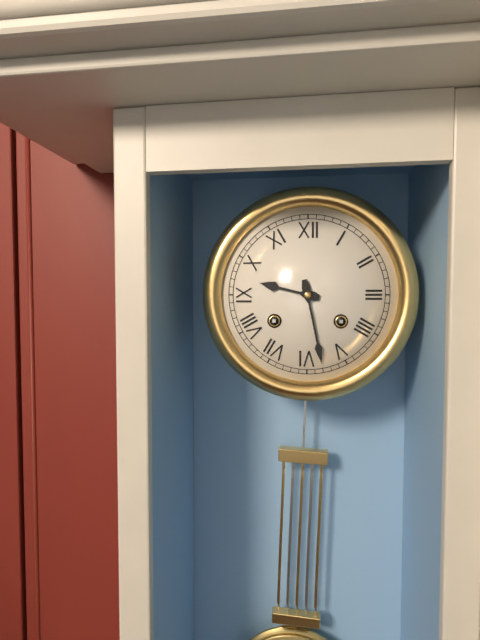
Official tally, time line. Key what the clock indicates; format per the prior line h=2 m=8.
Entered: h=9 m=28
